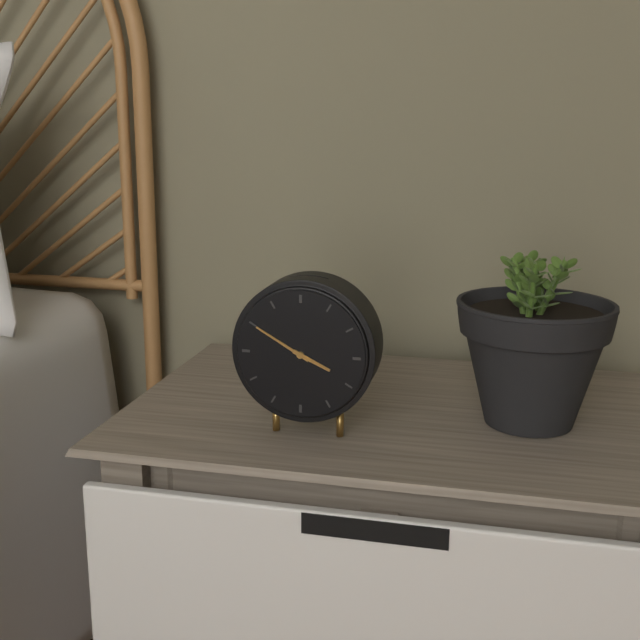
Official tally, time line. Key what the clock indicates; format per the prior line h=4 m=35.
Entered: h=3 m=50
